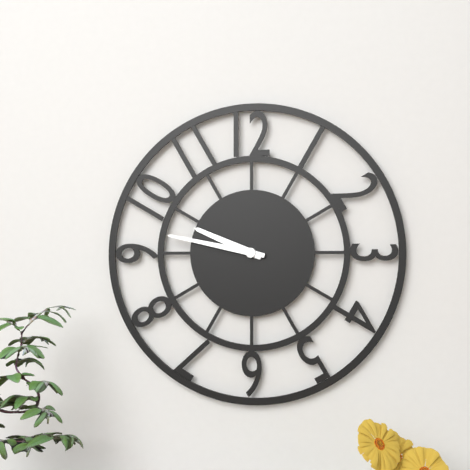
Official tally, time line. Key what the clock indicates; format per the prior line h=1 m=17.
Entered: h=9 m=47
